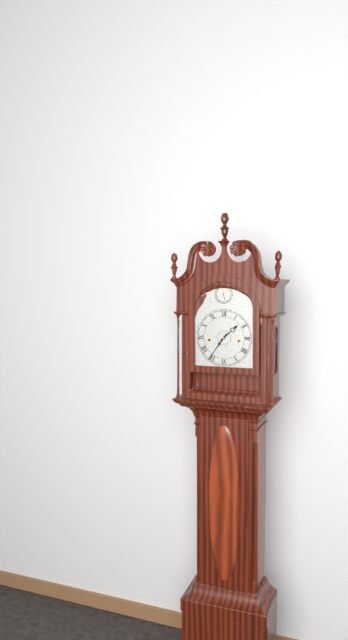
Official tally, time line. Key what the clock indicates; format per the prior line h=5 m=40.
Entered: h=1 m=36
